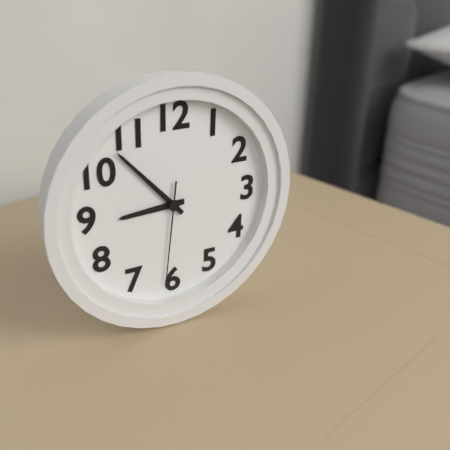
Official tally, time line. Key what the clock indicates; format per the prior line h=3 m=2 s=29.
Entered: h=8 m=53 s=31
